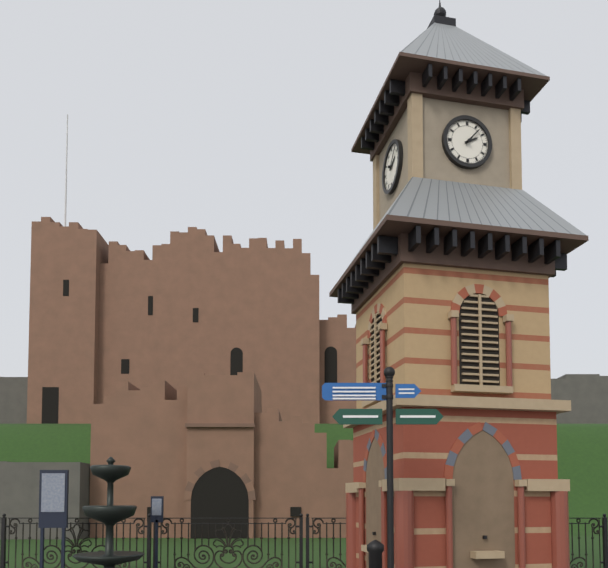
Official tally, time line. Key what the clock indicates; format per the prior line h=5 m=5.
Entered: h=2 m=7
